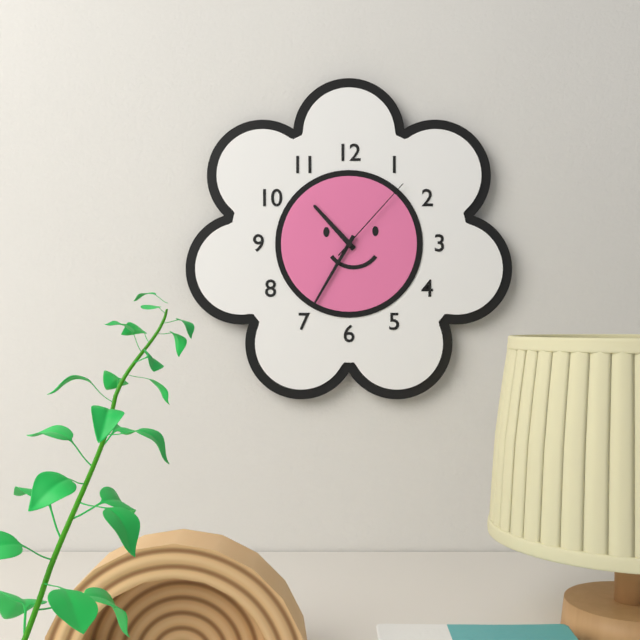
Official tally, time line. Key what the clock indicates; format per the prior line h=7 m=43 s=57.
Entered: h=10 m=35 s=7
